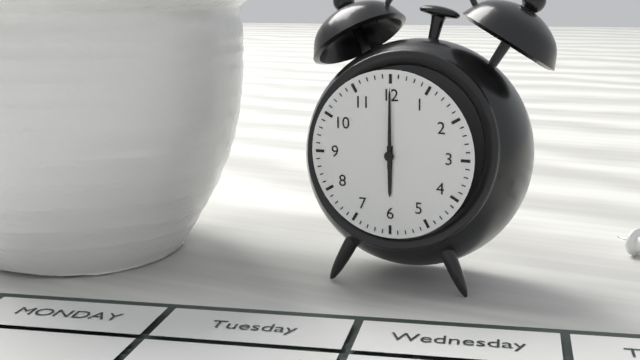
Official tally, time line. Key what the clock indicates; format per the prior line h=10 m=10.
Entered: h=6 m=0
